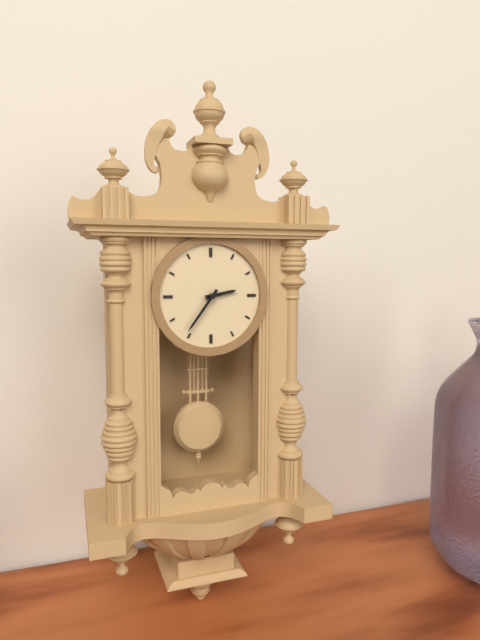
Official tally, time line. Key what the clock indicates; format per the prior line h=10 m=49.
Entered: h=2 m=36
